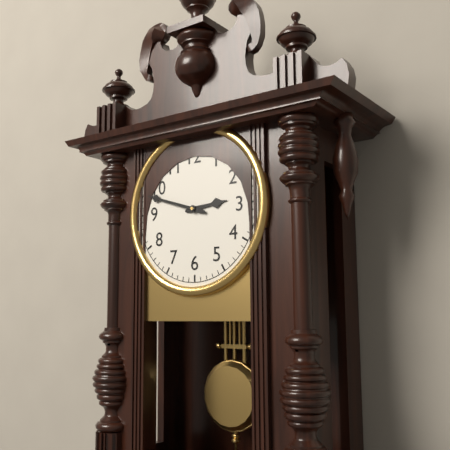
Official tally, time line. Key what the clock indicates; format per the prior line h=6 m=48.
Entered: h=2 m=48
